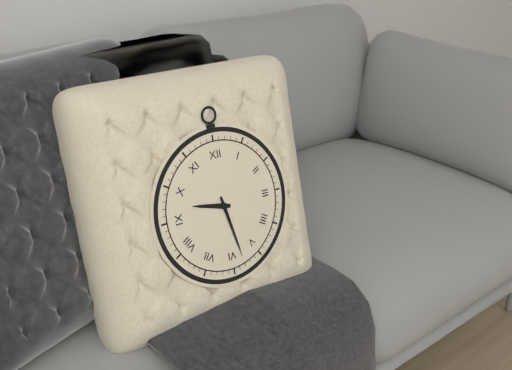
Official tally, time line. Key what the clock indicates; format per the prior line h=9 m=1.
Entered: h=9 m=28
